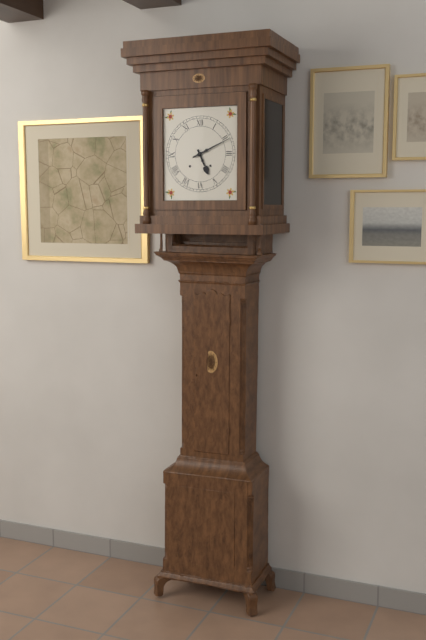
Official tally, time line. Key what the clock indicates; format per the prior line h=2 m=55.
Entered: h=5 m=11
